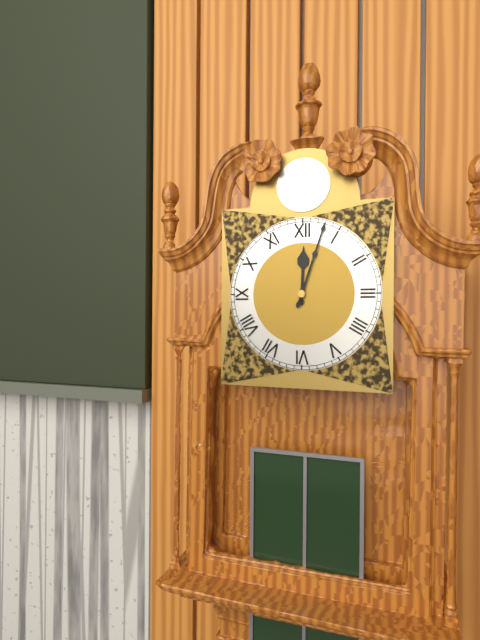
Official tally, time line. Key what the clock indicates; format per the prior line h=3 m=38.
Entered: h=12 m=3
